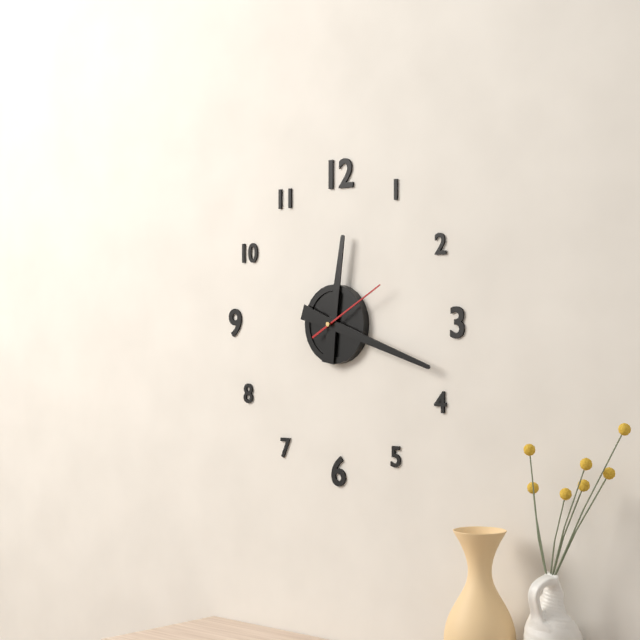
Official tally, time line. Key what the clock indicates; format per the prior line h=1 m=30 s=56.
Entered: h=12 m=18 s=10
